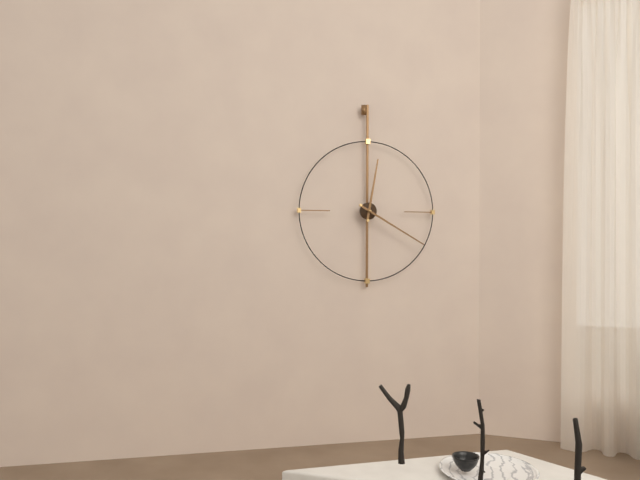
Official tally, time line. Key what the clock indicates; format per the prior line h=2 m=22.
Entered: h=12 m=20
